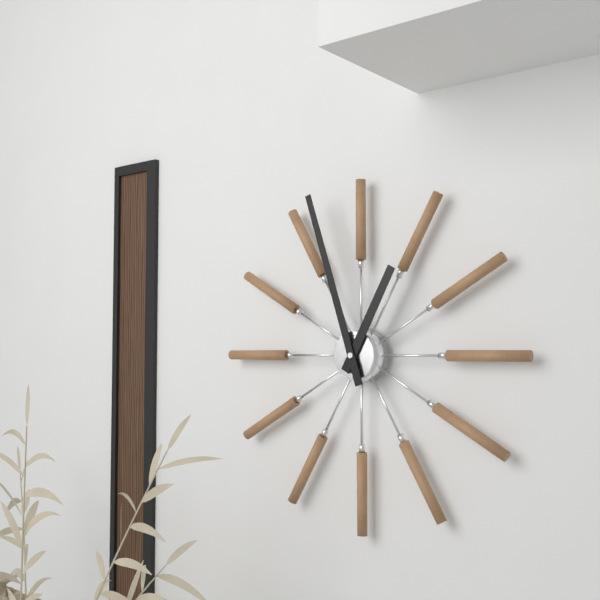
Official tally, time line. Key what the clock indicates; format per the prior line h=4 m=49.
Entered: h=12 m=57
